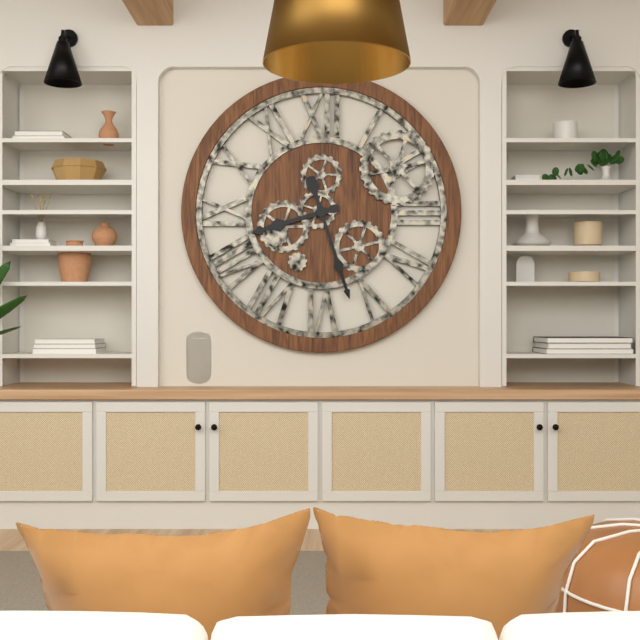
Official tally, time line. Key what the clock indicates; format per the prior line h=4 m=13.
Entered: h=8 m=27
